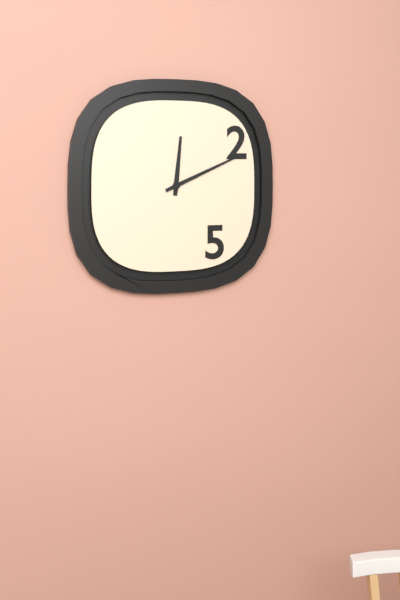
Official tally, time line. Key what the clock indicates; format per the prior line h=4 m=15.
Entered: h=12 m=11
